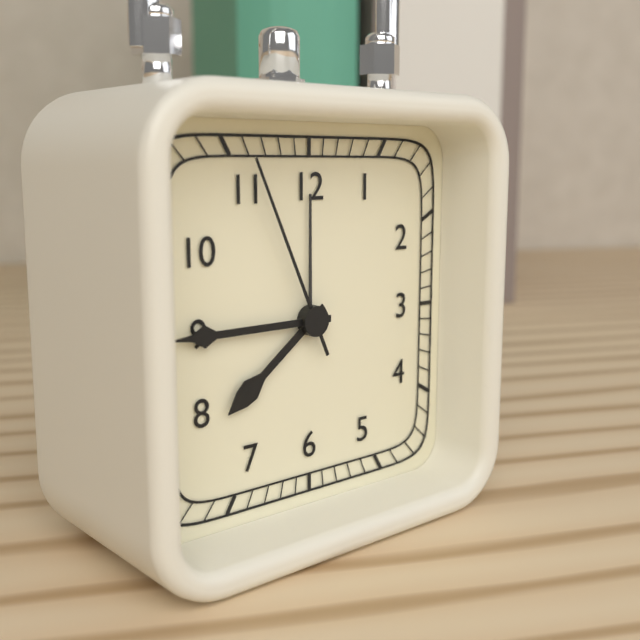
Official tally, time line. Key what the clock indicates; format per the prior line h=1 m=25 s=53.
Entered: h=7 m=45 s=56
